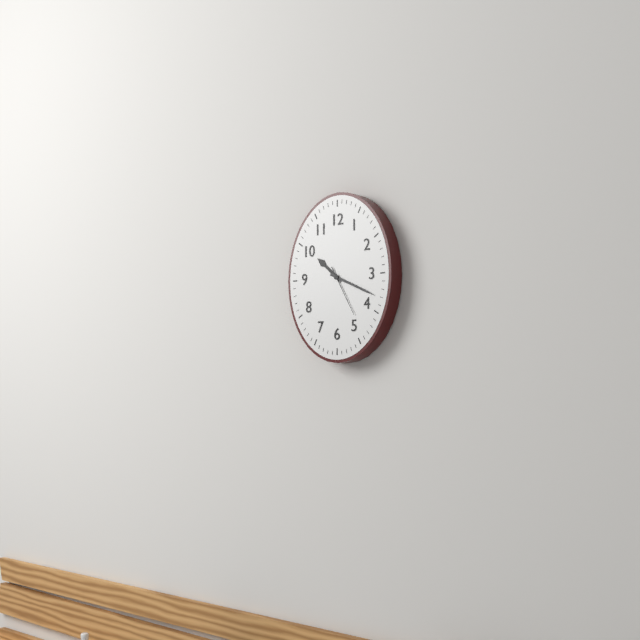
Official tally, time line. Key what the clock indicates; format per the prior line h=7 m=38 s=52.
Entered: h=10 m=19 s=25
